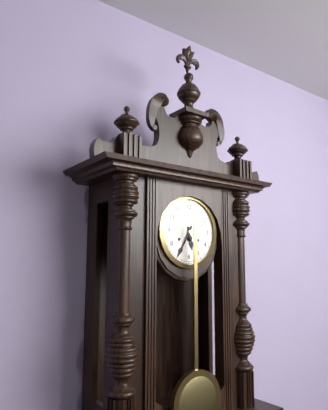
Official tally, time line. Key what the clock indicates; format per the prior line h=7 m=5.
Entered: h=5 m=35
